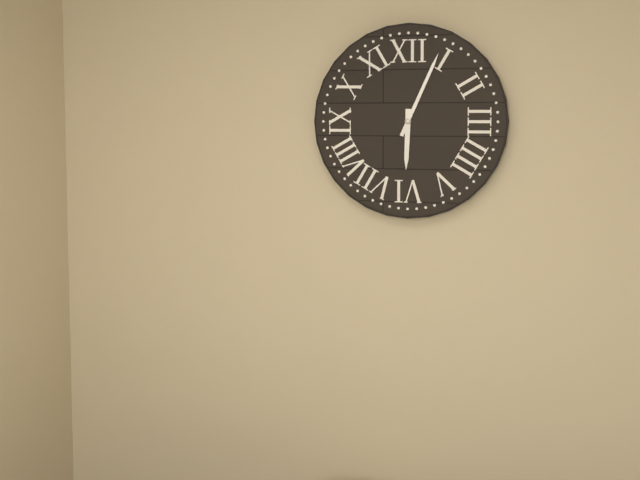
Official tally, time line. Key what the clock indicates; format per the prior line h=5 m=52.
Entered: h=6 m=4
